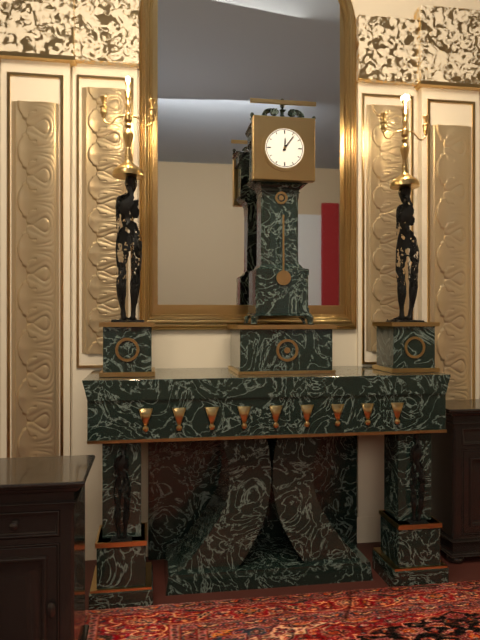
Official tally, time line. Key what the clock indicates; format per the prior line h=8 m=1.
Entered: h=12 m=6
